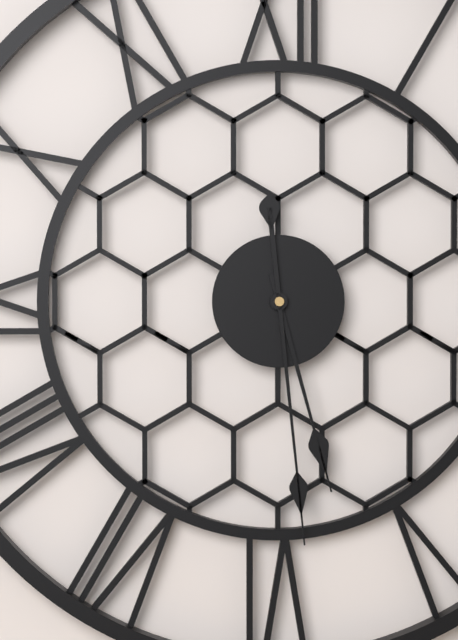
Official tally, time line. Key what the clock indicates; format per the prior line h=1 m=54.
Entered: h=5 m=29
